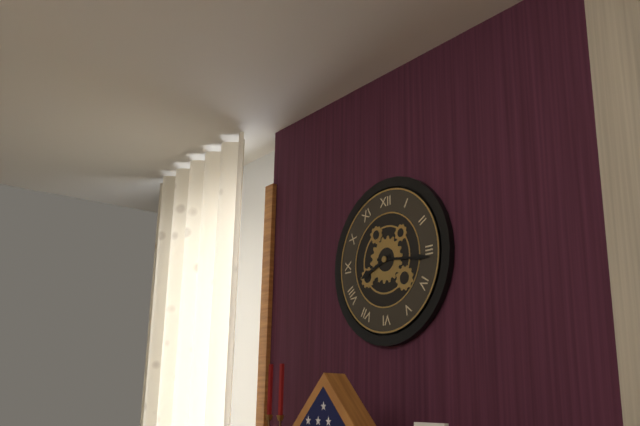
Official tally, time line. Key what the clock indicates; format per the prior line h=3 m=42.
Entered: h=8 m=16
